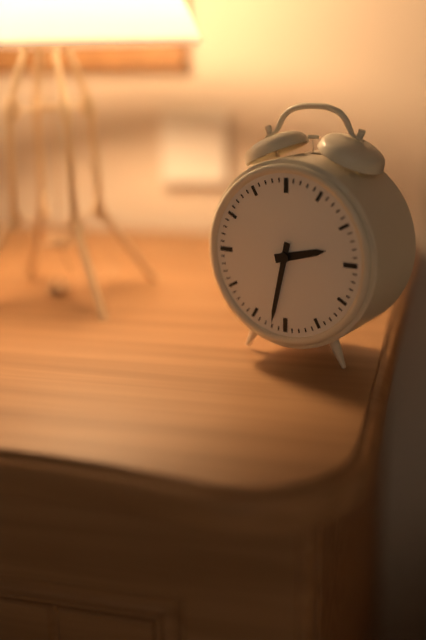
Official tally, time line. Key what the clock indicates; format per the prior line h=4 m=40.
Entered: h=2 m=32
